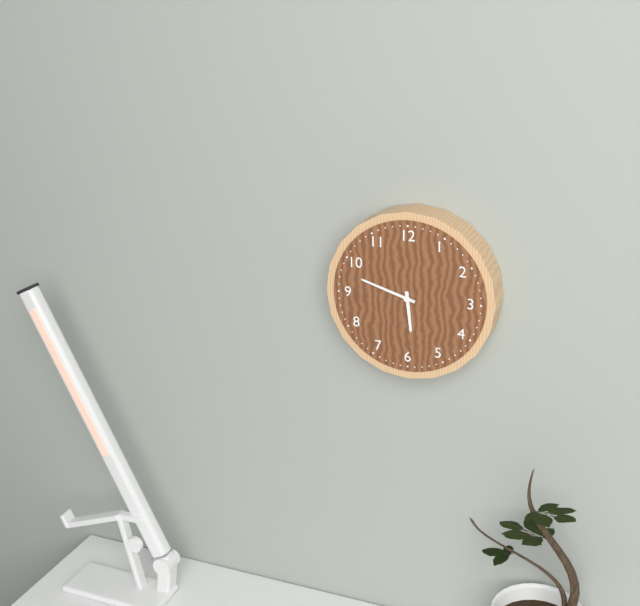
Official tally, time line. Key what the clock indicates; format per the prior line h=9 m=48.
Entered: h=5 m=48
